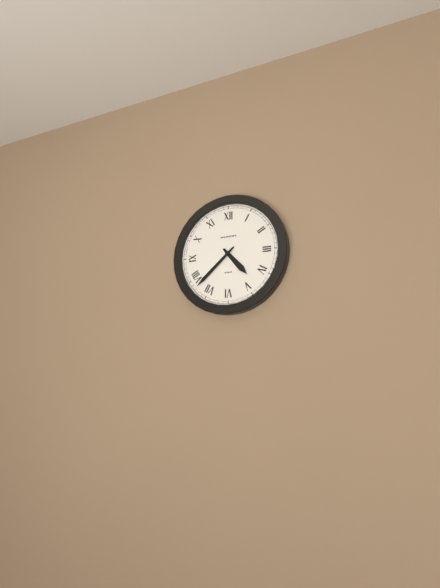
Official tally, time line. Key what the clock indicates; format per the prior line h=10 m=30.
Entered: h=4 m=38
